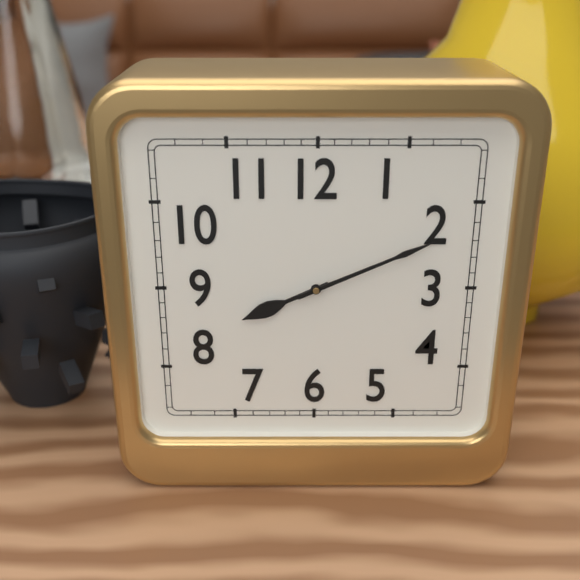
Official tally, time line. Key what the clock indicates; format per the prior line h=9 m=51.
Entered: h=8 m=11
